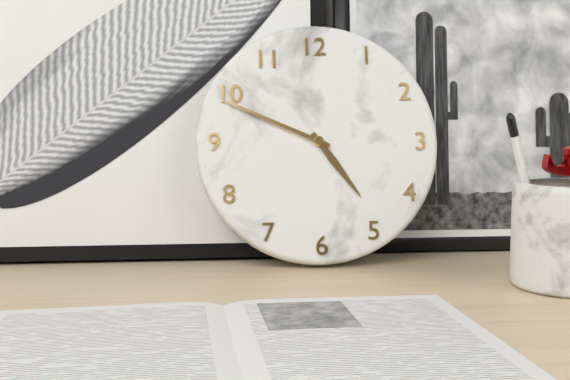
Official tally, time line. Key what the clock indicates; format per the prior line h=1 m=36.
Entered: h=4 m=49
